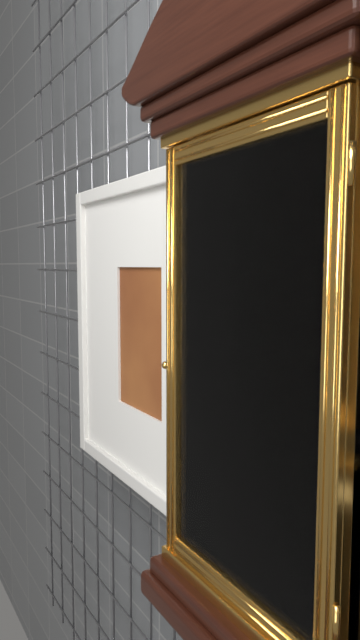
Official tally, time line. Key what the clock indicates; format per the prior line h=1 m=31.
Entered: h=9 m=9
